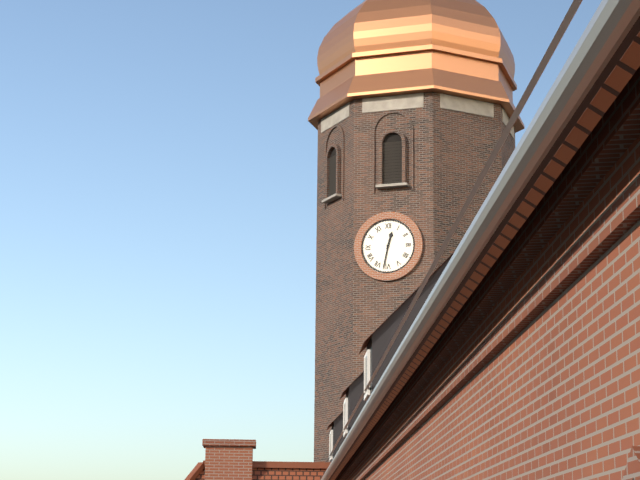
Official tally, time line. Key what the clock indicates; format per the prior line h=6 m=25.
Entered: h=12 m=32
